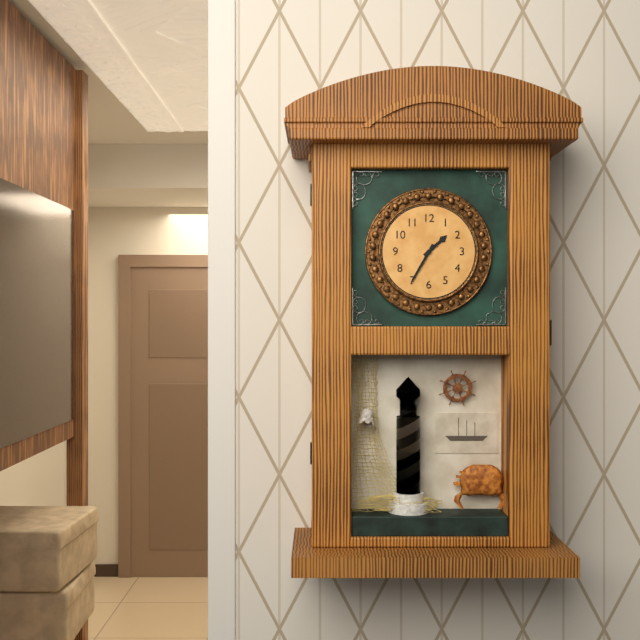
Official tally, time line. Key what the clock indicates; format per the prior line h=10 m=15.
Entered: h=1 m=35
